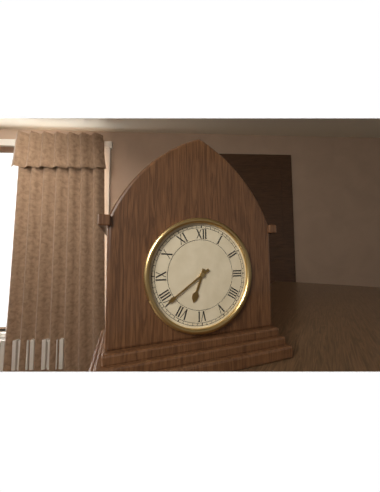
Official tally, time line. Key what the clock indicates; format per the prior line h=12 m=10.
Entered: h=6 m=39
